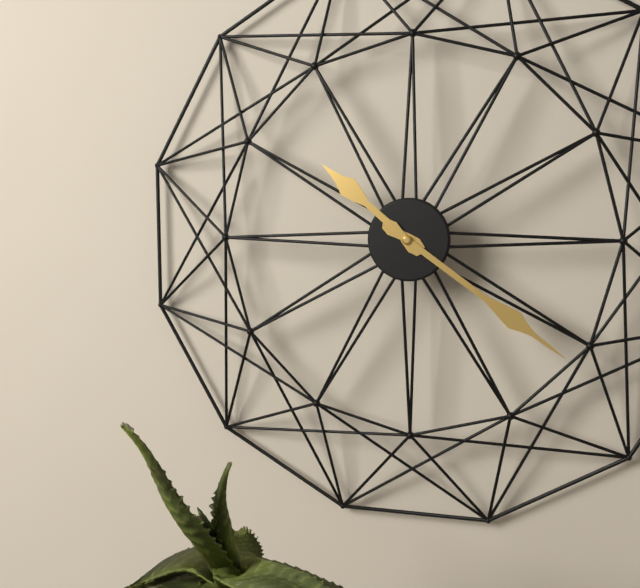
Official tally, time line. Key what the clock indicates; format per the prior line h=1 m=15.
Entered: h=10 m=21
